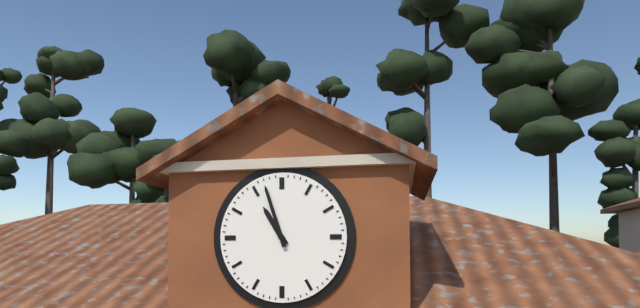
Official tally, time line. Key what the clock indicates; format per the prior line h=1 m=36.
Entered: h=10 m=57
